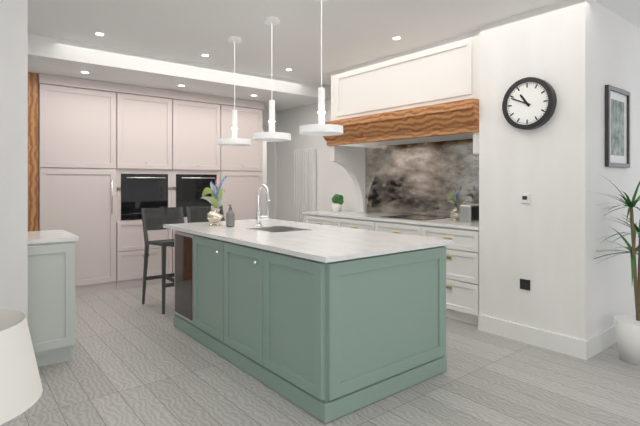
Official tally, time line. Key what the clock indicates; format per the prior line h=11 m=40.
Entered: h=10 m=49
